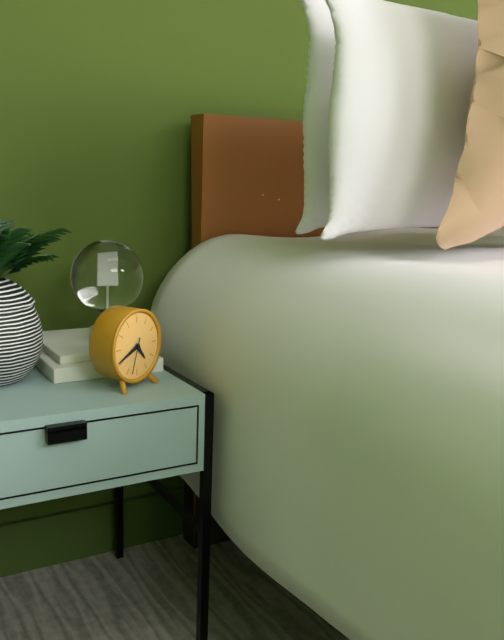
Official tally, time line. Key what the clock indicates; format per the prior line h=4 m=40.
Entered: h=4 m=41
